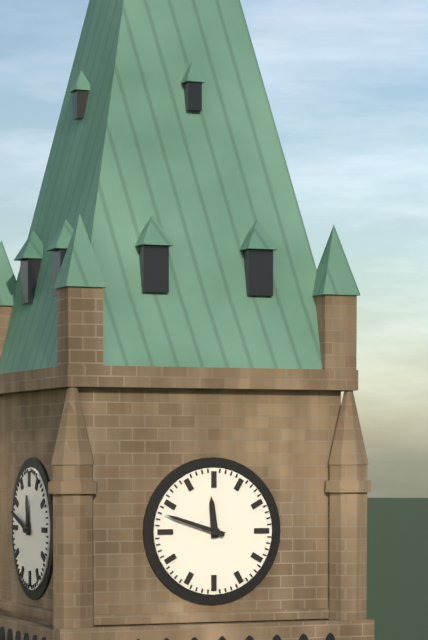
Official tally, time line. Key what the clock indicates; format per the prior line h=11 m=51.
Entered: h=11 m=48
